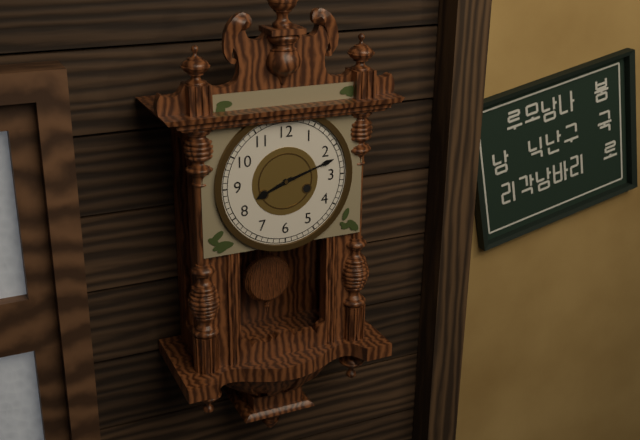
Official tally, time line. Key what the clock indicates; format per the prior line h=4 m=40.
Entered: h=8 m=12
